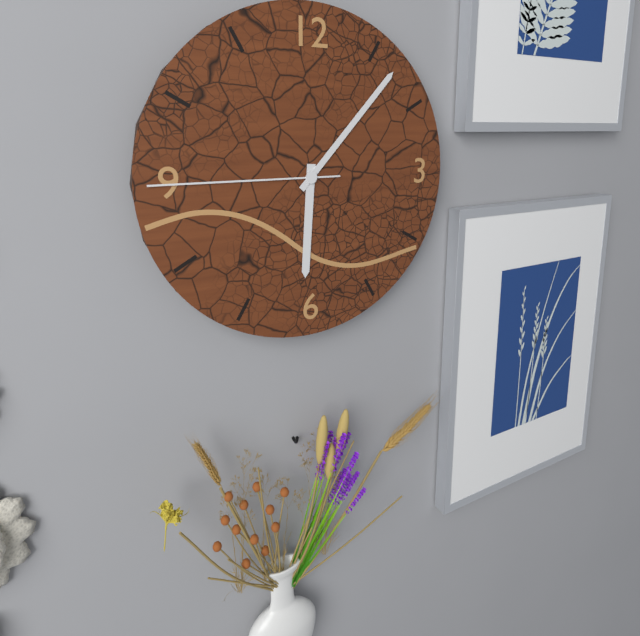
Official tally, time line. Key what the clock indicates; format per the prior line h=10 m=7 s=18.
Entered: h=6 m=7 s=45
